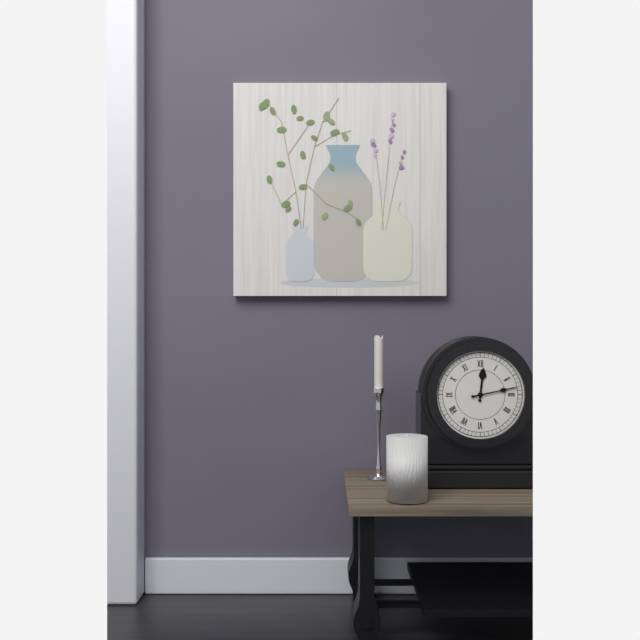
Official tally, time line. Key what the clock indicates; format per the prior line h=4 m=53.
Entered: h=12 m=13
